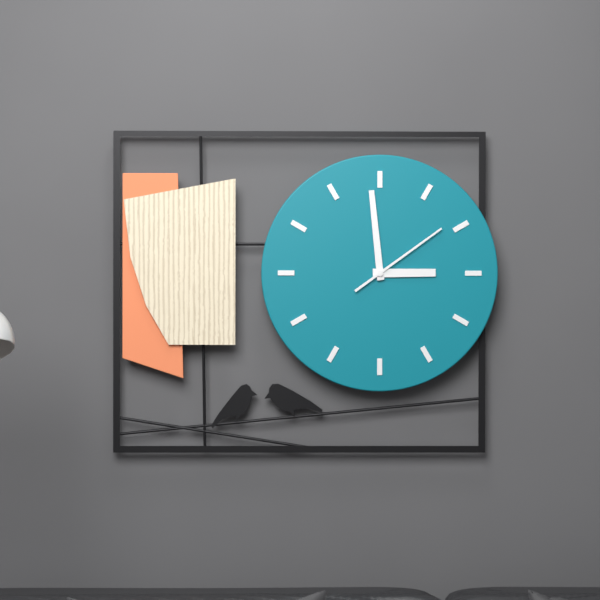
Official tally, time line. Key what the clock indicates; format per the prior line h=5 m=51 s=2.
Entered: h=2 m=59 s=9
